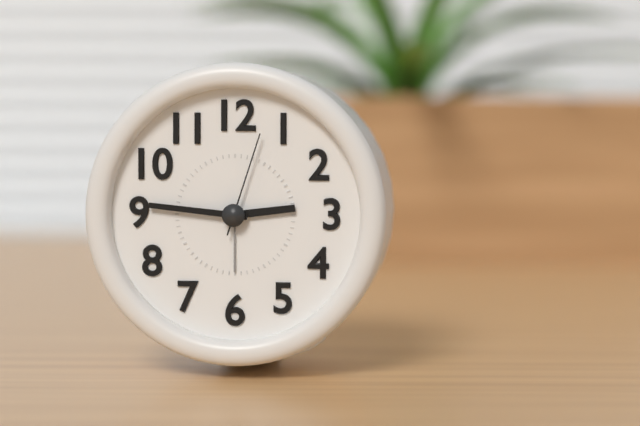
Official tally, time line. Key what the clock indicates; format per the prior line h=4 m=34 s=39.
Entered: h=2 m=46 s=3
